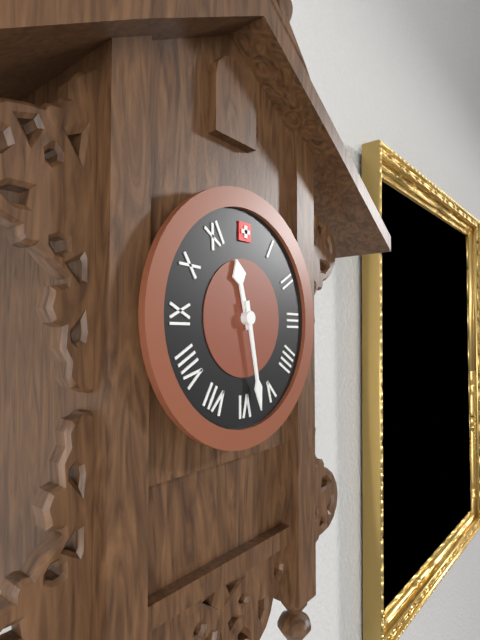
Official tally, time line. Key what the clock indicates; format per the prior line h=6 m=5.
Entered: h=11 m=28
